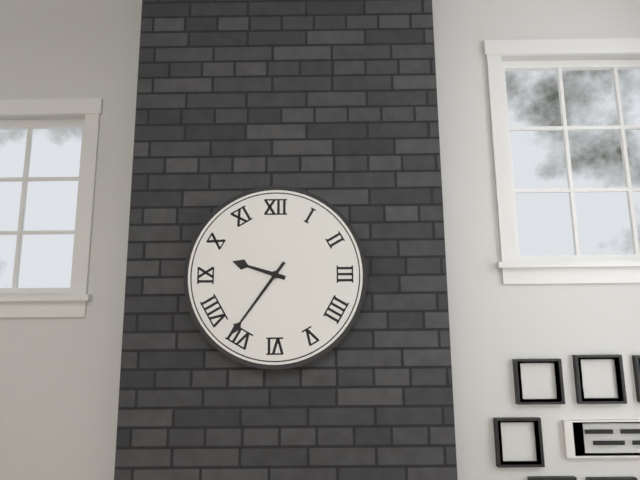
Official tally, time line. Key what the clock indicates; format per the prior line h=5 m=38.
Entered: h=9 m=36
